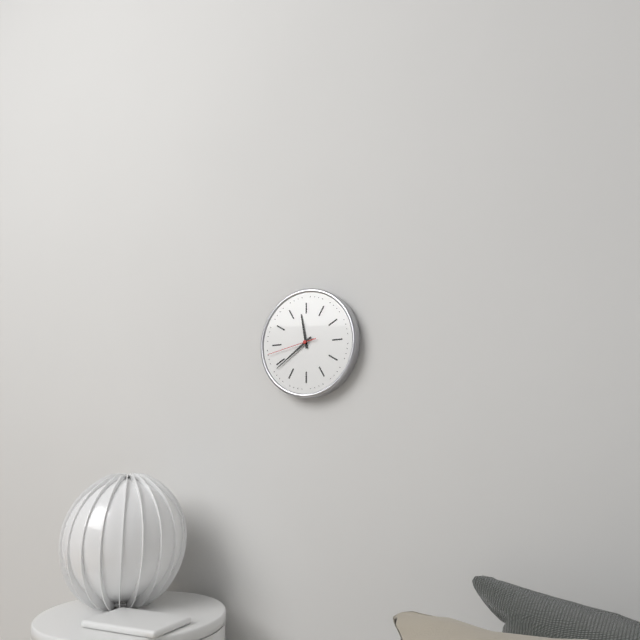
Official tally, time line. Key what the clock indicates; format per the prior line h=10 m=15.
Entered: h=11 m=39
